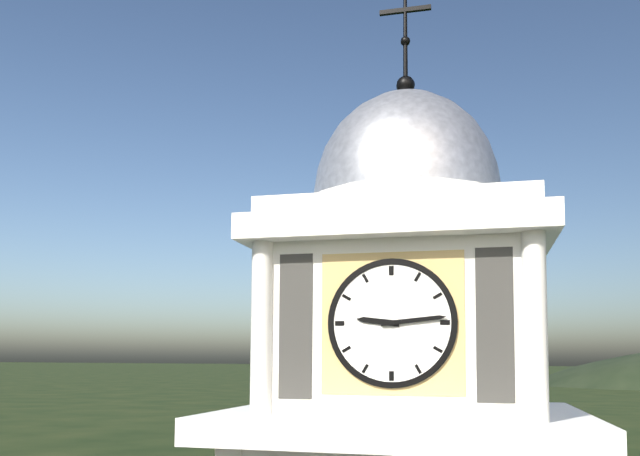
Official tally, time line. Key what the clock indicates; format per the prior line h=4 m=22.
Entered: h=9 m=14
